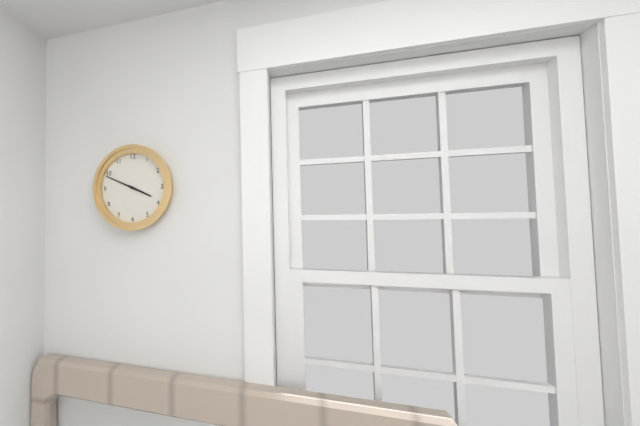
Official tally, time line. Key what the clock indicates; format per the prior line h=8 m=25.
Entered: h=3 m=49
